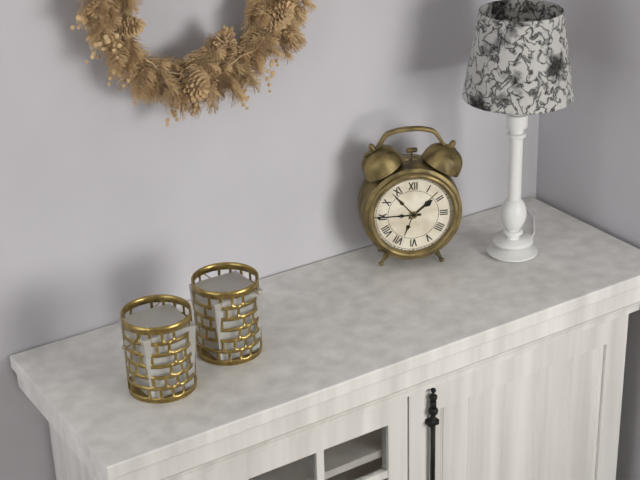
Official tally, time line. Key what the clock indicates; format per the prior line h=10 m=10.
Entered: h=1 m=45
